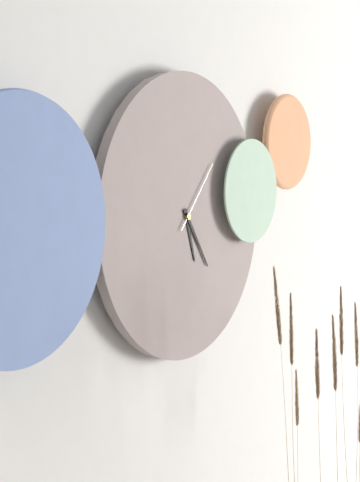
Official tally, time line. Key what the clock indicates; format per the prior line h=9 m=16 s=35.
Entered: h=5 m=24 s=7
